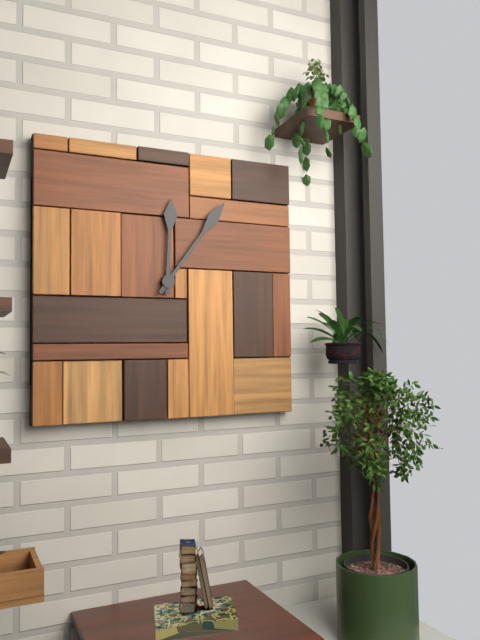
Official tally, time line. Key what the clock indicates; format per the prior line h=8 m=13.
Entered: h=12 m=6
